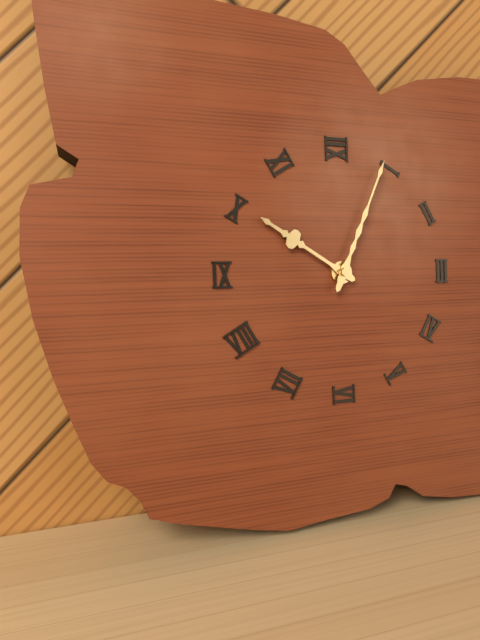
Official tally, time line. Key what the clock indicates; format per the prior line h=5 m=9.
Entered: h=10 m=4
